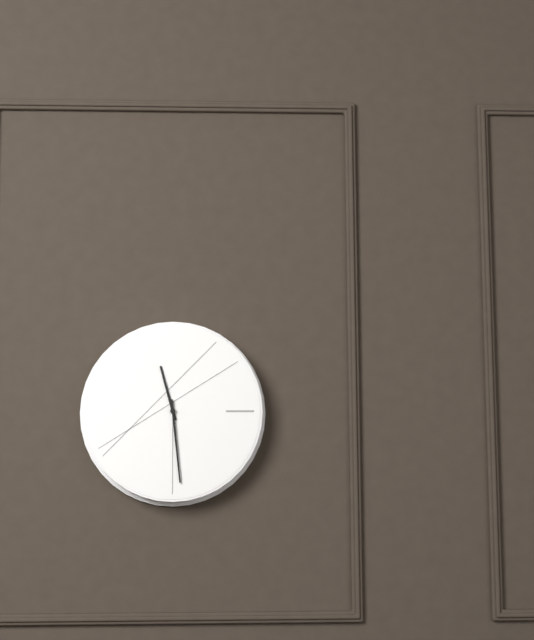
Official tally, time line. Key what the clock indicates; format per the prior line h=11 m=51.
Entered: h=11 m=29
